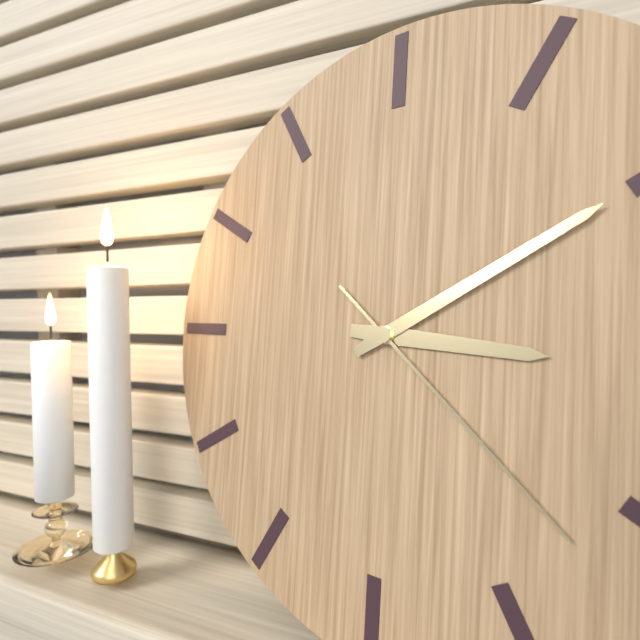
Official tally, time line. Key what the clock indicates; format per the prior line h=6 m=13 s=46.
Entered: h=3 m=10 s=22
